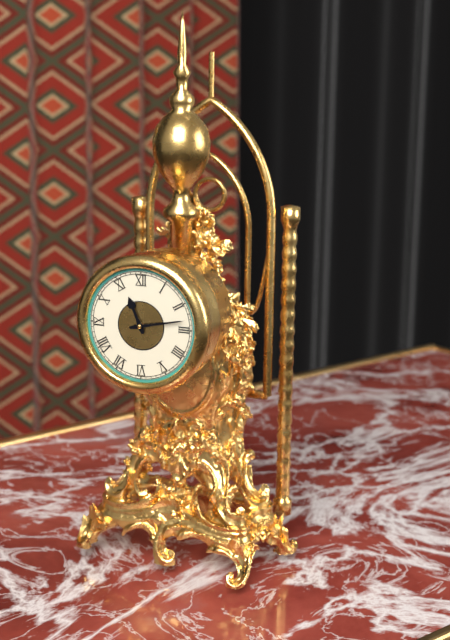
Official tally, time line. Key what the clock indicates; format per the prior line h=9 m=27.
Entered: h=11 m=13
